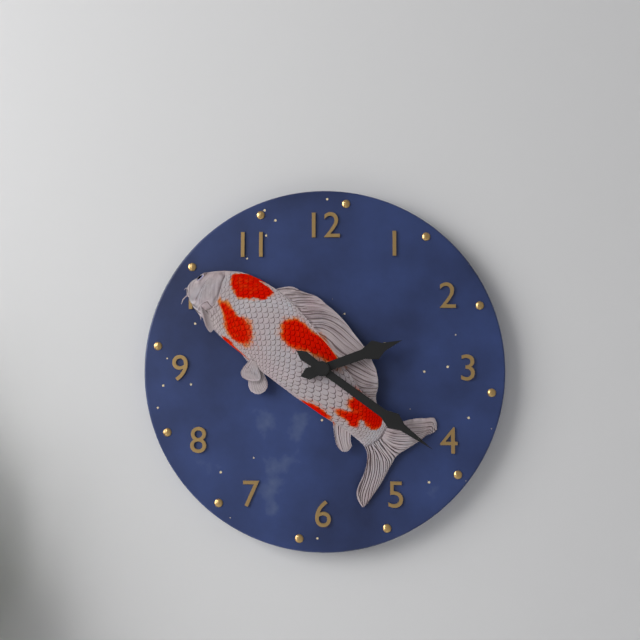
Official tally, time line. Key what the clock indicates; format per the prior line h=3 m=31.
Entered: h=2 m=21
